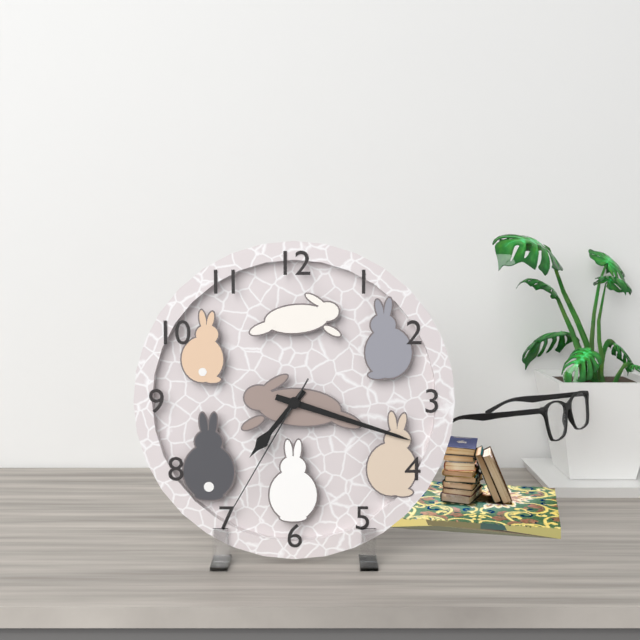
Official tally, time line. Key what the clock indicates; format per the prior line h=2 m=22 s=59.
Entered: h=7 m=18 s=35
